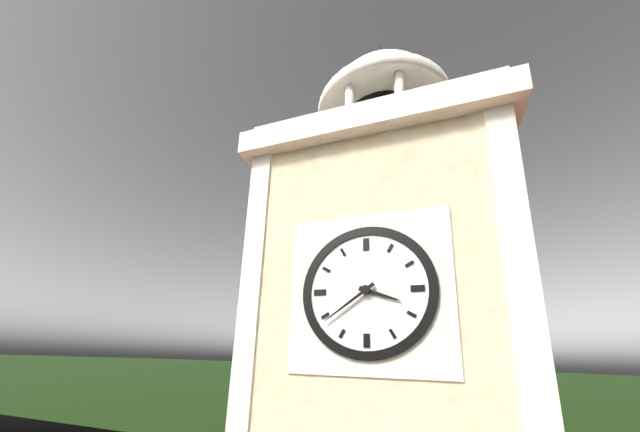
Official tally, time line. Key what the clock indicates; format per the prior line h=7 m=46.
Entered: h=3 m=39
